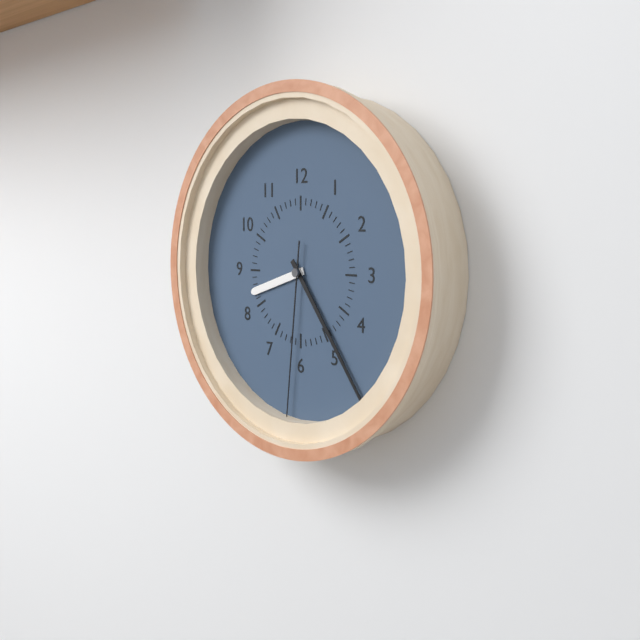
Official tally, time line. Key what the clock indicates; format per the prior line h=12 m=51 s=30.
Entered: h=8 m=24 s=31
